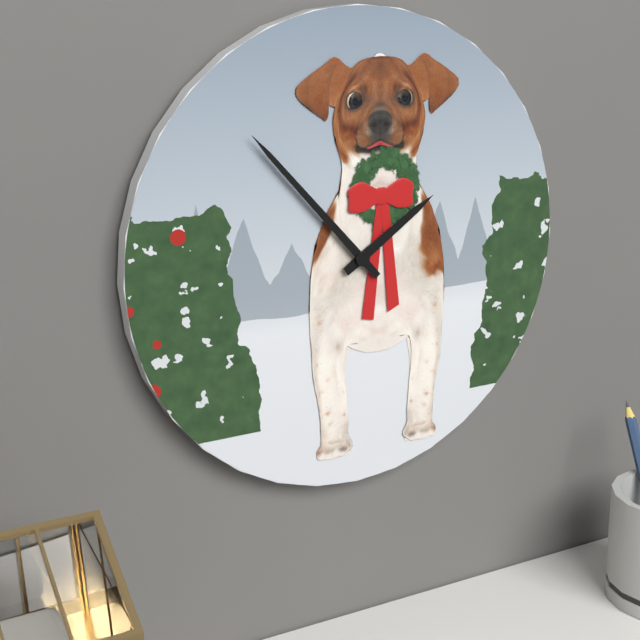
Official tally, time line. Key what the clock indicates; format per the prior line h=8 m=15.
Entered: h=1 m=53
